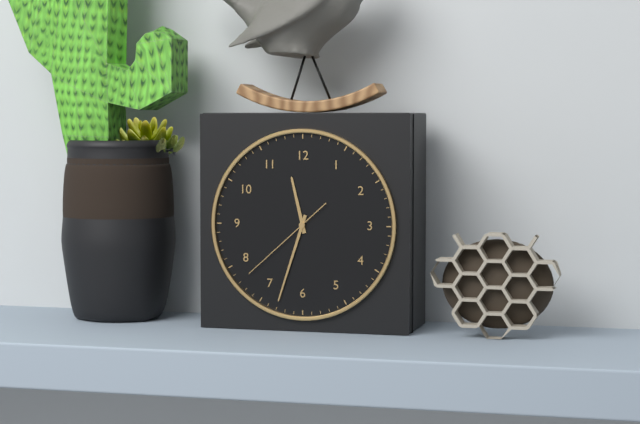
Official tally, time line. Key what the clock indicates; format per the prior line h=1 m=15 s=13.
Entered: h=11 m=33 s=38
